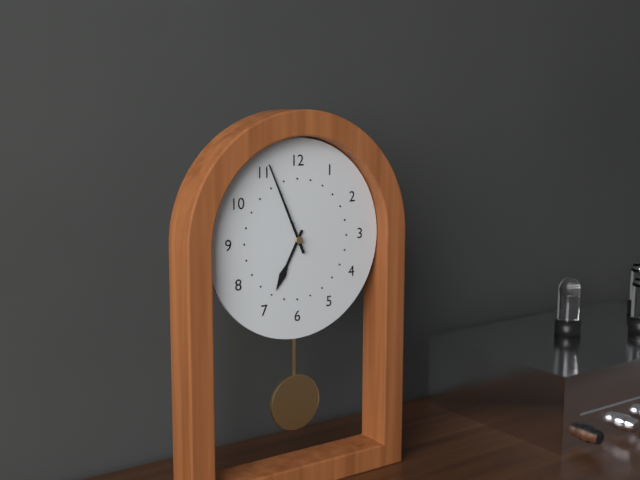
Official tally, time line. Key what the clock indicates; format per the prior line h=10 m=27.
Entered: h=6 m=56
